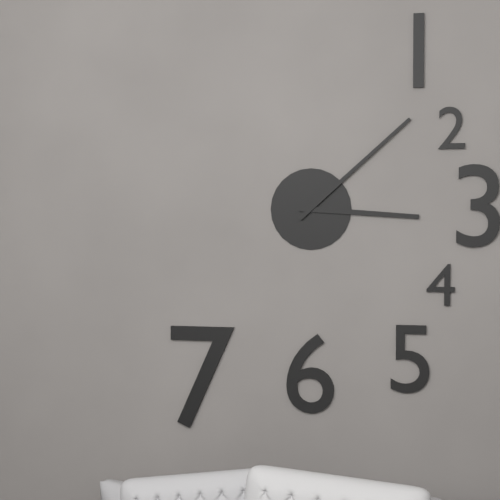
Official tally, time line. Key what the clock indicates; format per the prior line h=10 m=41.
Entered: h=3 m=8
